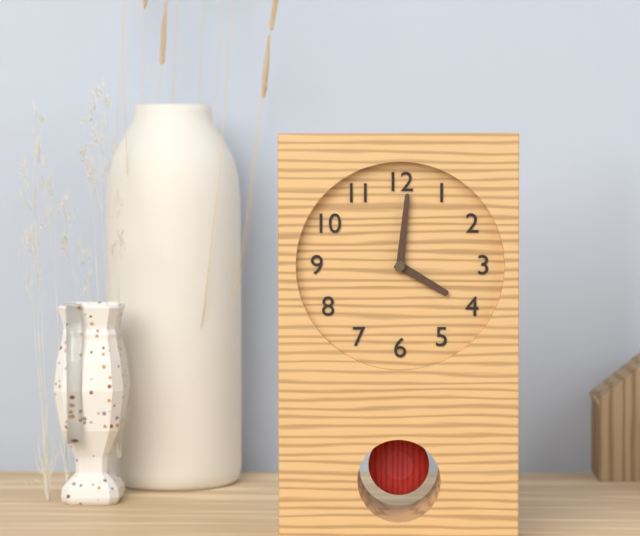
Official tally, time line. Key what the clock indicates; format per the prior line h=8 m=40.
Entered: h=4 m=1
